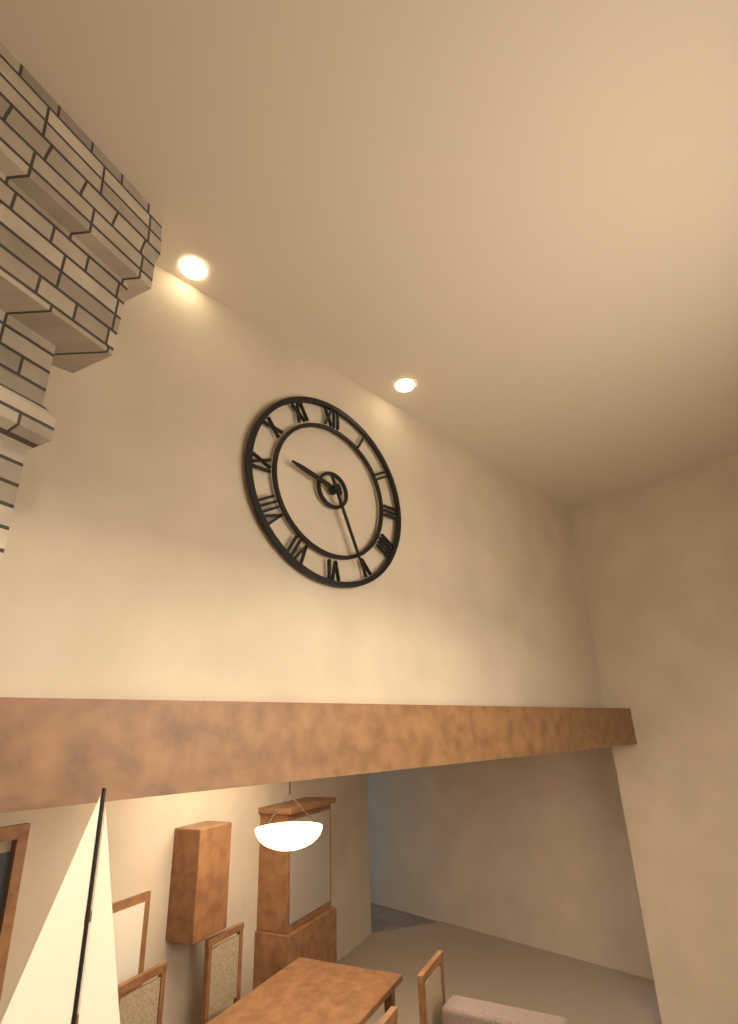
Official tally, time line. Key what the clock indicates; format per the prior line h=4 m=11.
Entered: h=9 m=26
